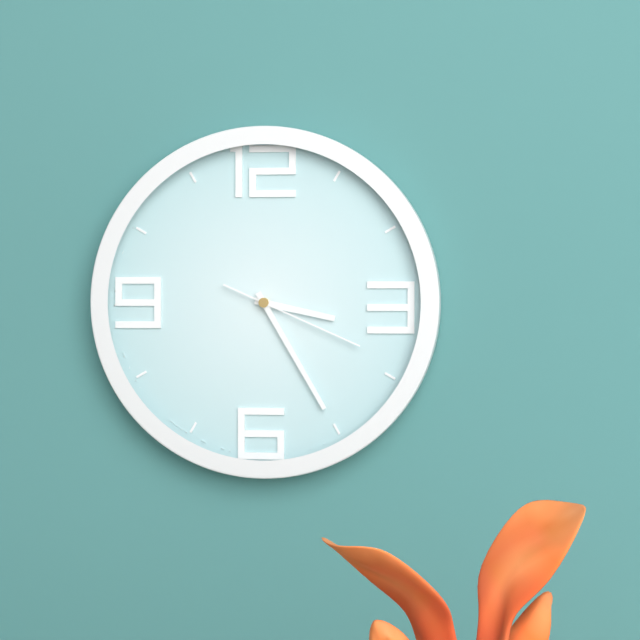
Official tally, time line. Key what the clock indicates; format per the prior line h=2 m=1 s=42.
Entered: h=3 m=25 s=19
